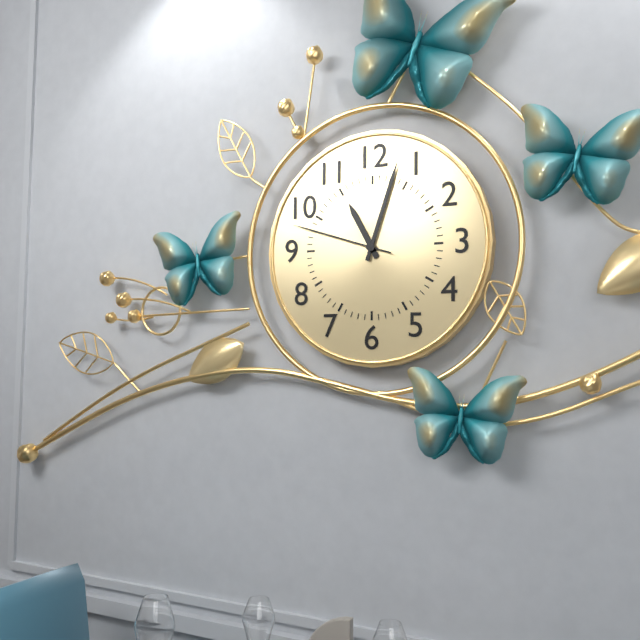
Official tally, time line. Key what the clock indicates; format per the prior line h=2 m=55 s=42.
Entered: h=11 m=3 s=48
